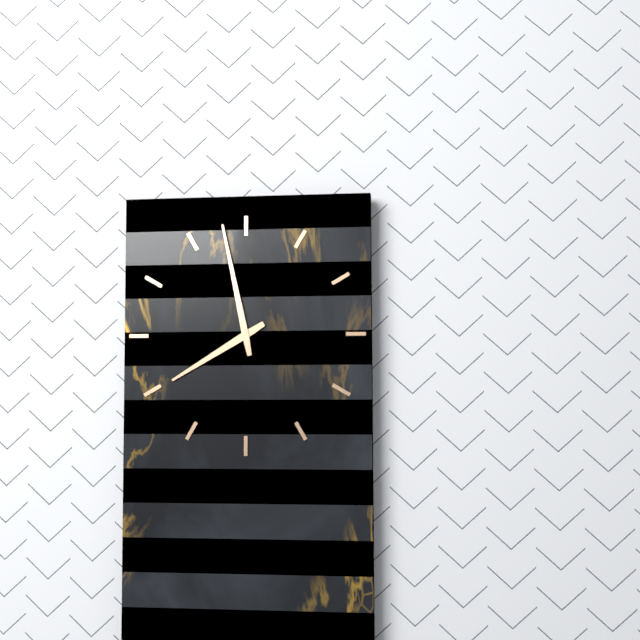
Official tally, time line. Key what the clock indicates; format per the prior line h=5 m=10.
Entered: h=7 m=58
